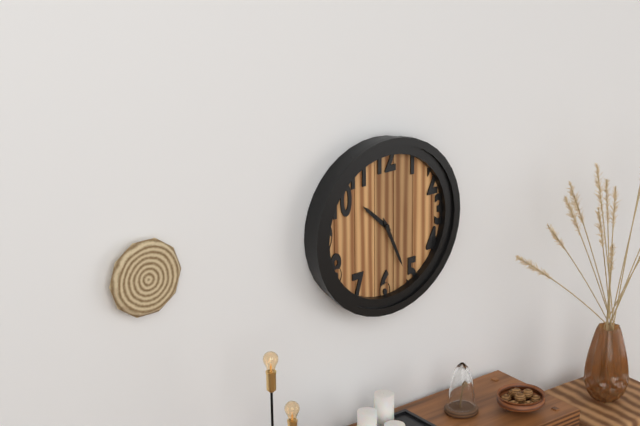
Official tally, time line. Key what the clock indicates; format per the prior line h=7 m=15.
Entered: h=10 m=26
